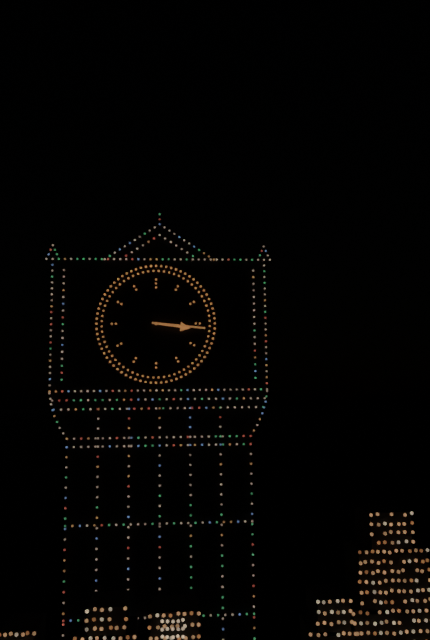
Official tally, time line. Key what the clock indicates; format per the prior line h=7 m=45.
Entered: h=3 m=16
